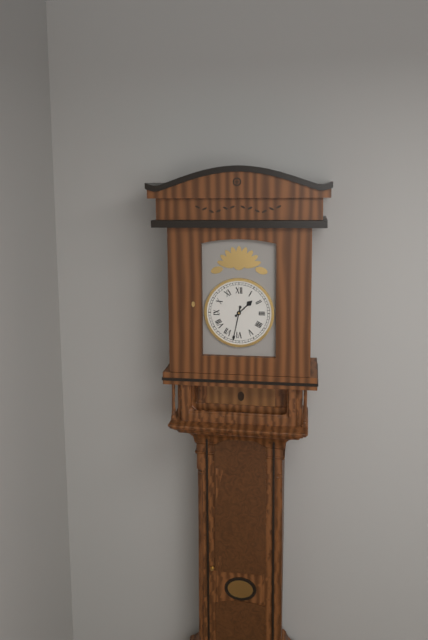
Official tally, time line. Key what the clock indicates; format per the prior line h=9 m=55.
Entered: h=1 m=32
